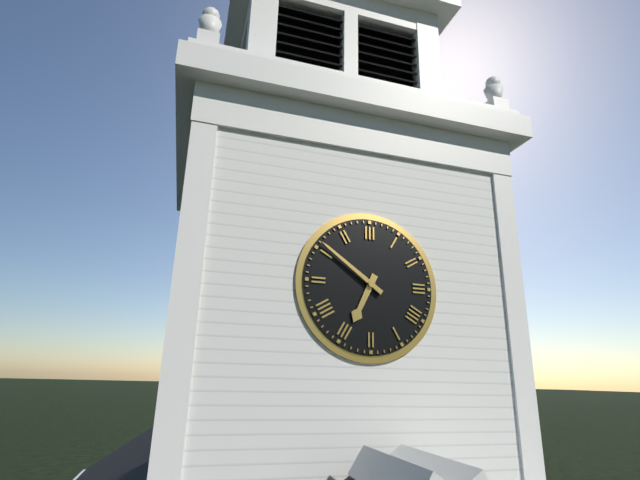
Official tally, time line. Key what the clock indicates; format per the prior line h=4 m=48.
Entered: h=6 m=51
